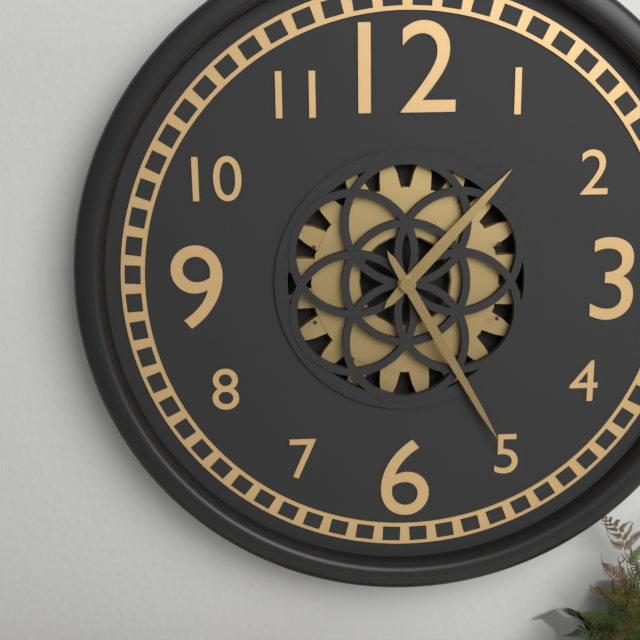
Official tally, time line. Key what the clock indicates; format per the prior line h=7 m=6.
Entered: h=1 m=25
